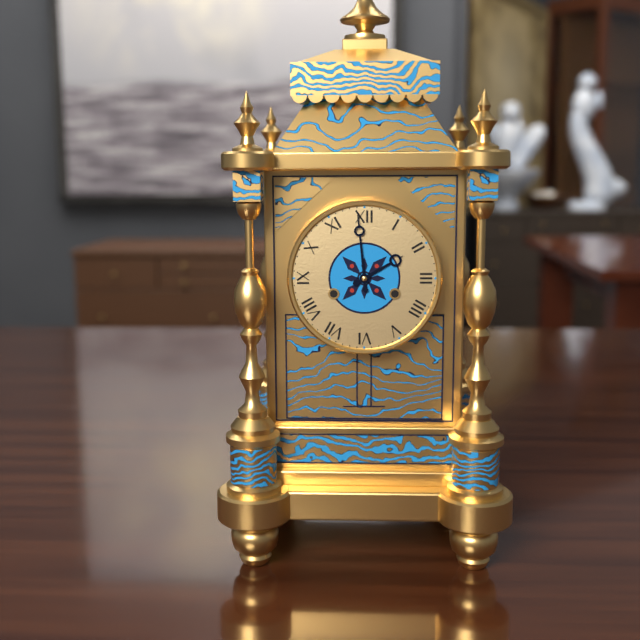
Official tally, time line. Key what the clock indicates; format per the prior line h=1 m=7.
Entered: h=1 m=59
